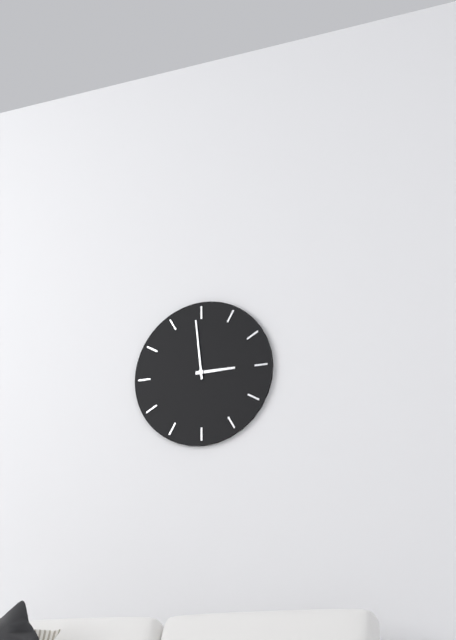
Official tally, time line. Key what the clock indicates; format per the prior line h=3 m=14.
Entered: h=2 m=59
